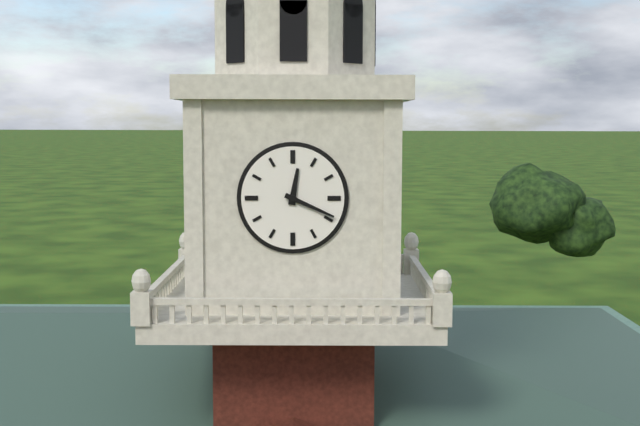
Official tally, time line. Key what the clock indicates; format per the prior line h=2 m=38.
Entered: h=12 m=19
